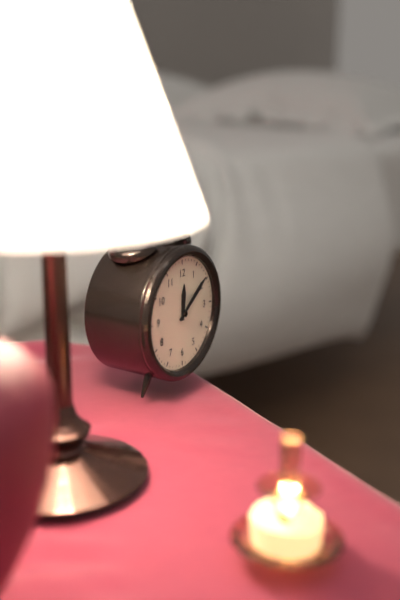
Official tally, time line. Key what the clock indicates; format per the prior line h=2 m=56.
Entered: h=12 m=9
